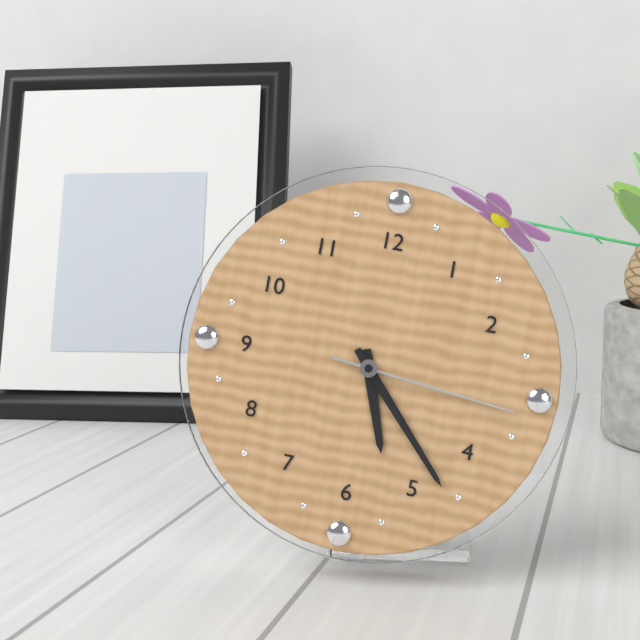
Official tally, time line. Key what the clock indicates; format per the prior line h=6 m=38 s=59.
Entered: h=5 m=23 s=16
